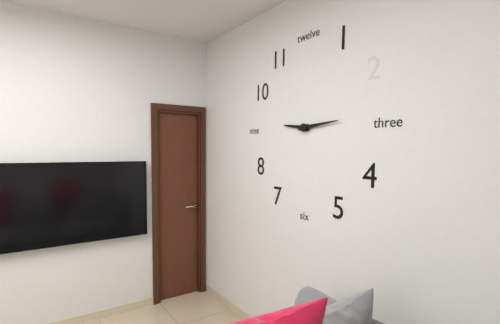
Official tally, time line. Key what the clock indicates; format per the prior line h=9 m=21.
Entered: h=9 m=14
